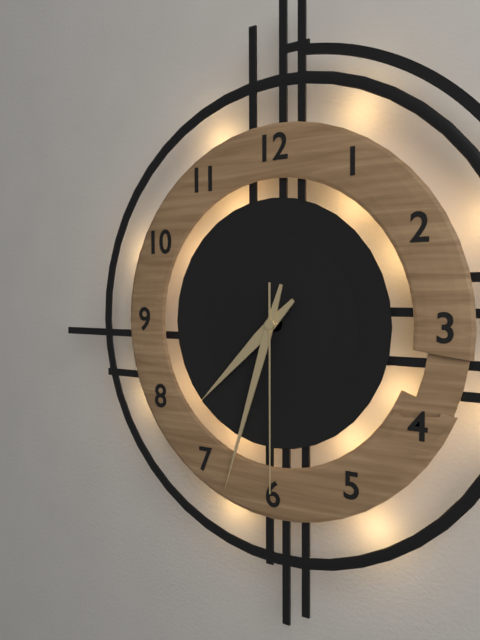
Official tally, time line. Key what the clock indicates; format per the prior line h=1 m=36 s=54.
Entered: h=7 m=33 s=30
